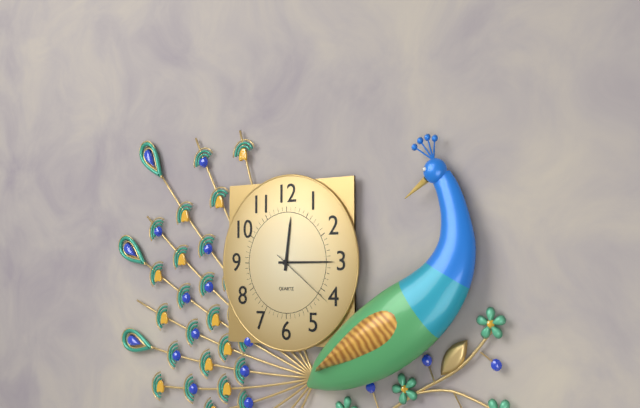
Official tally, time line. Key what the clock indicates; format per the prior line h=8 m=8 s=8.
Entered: h=12 m=15 s=21
